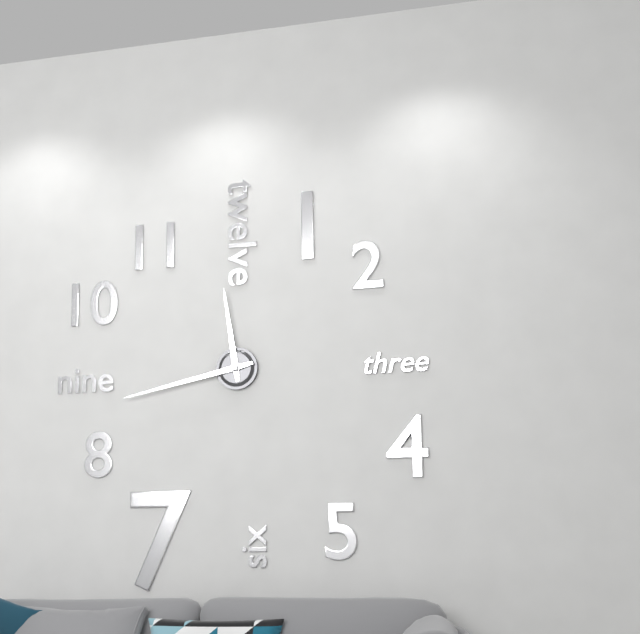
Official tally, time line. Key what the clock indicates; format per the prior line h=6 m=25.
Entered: h=11 m=43
